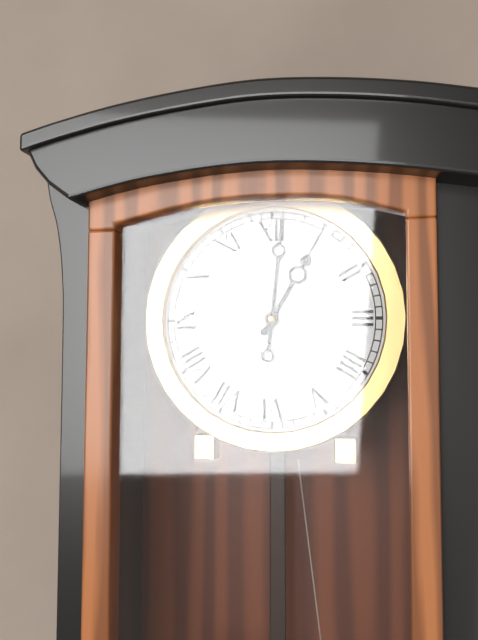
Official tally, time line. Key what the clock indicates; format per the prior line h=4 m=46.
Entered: h=1 m=1
